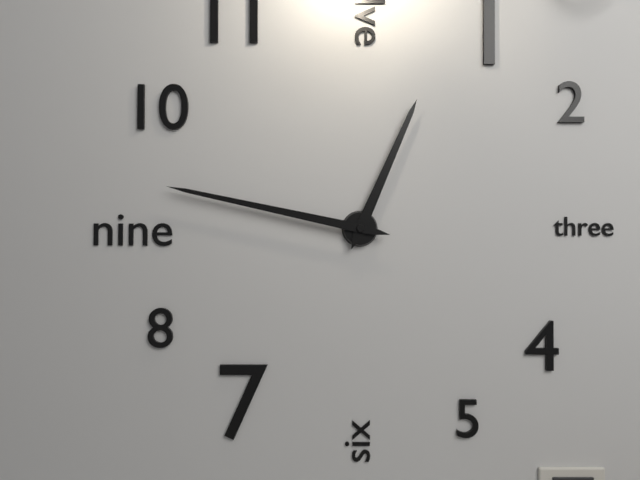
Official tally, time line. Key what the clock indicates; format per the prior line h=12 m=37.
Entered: h=12 m=47
